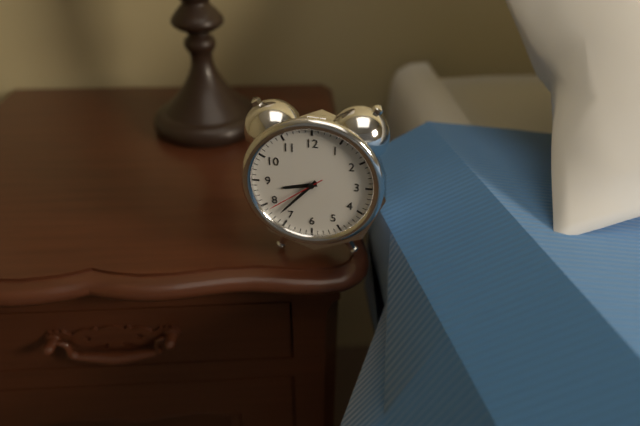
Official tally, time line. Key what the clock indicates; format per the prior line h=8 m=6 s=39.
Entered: h=8 m=37 s=39
